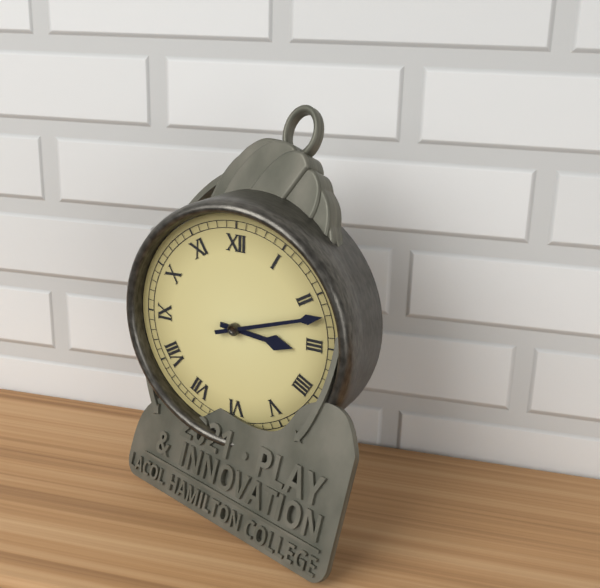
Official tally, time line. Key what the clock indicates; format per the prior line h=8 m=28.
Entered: h=3 m=12
